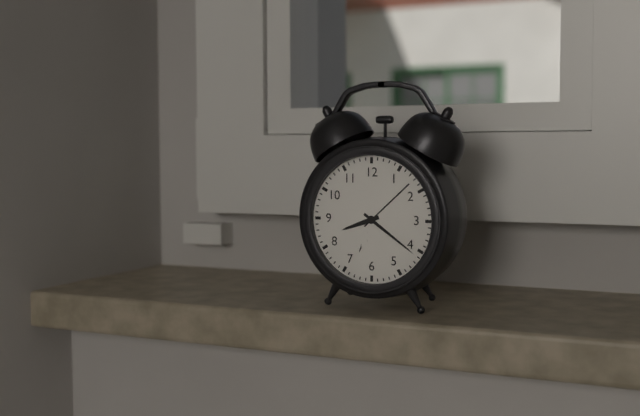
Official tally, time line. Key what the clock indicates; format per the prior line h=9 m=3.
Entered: h=8 m=21
